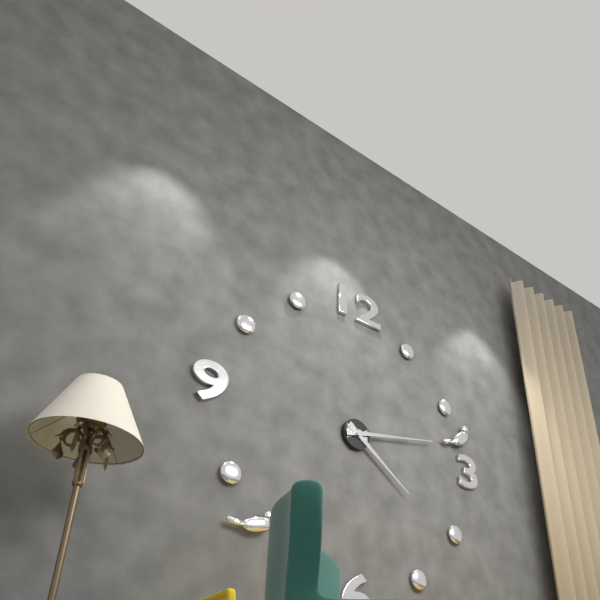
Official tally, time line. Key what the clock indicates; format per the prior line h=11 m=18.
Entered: h=4 m=13
